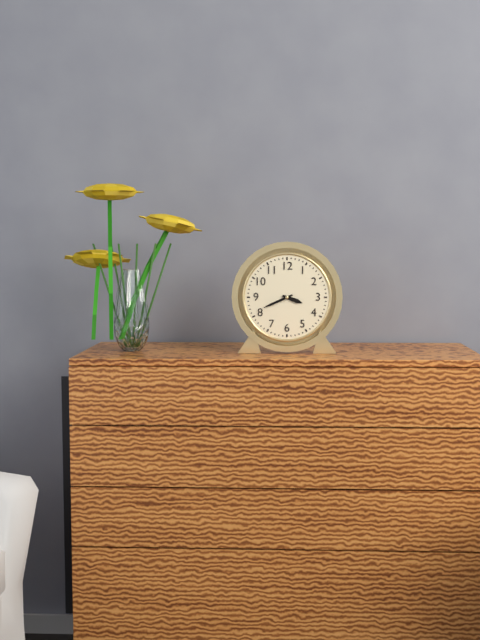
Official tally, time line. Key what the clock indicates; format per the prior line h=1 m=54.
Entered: h=3 m=41
